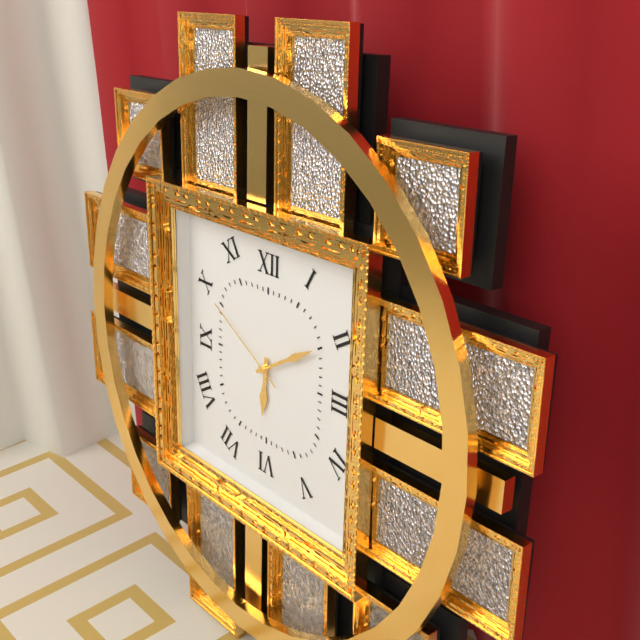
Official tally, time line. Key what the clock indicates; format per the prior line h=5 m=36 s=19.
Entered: h=6 m=10 s=50
